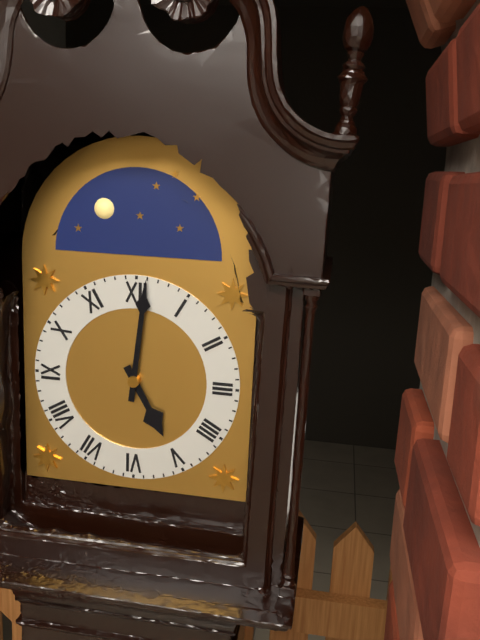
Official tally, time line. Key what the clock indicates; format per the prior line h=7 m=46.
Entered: h=5 m=1
